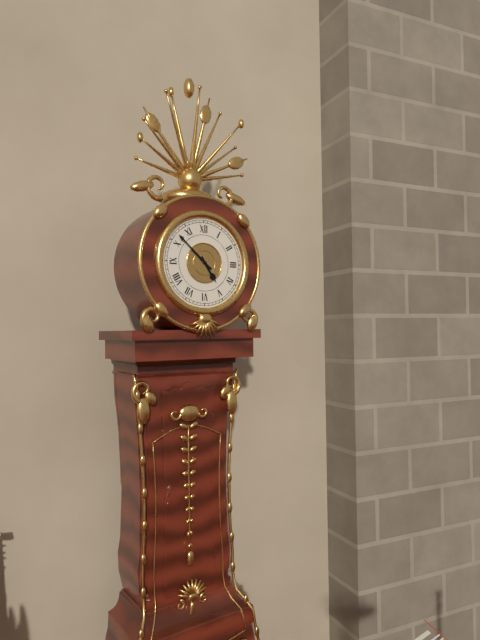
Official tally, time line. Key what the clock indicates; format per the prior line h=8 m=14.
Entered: h=4 m=52
